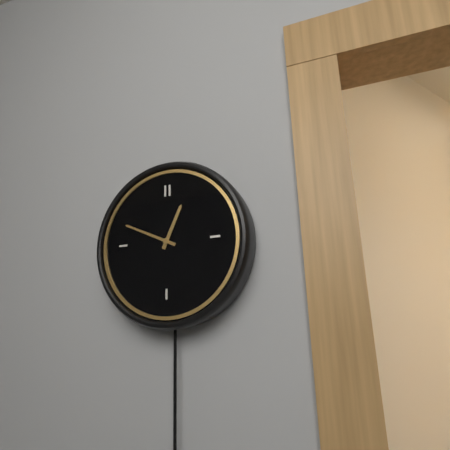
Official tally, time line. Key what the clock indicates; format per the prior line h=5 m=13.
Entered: h=12 m=49
